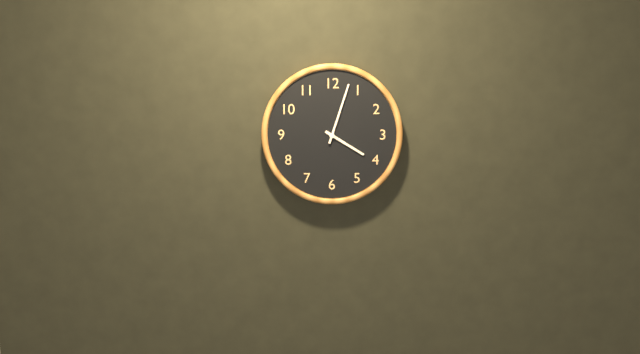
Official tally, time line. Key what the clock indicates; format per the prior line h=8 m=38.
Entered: h=4 m=3
